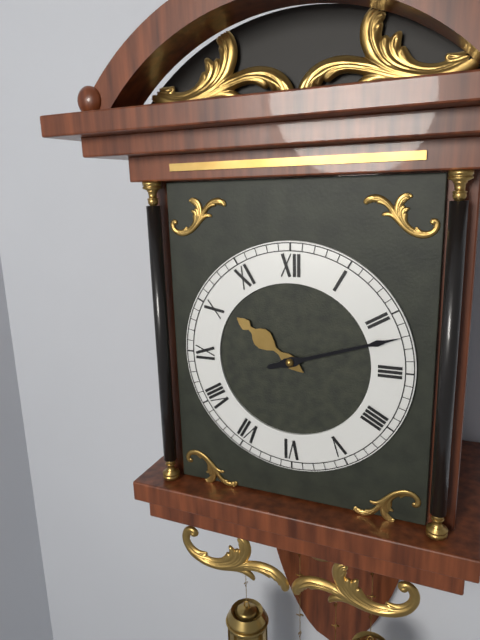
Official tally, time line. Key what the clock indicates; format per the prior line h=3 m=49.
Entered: h=10 m=12
